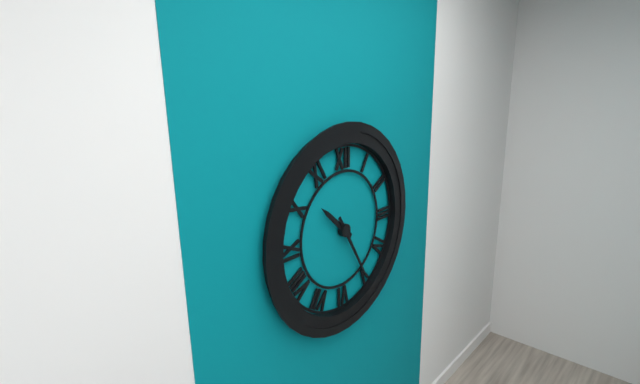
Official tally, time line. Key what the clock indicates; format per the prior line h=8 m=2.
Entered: h=10 m=25
